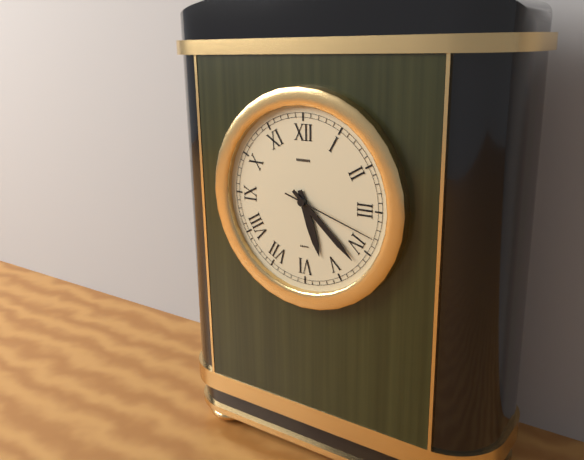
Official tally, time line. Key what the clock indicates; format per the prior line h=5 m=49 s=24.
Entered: h=5 m=22 s=18
